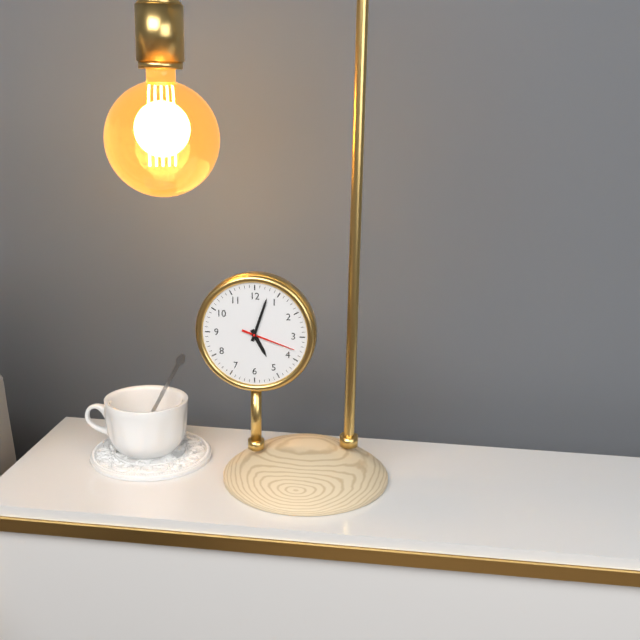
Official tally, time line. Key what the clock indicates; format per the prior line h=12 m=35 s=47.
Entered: h=5 m=3 s=18
